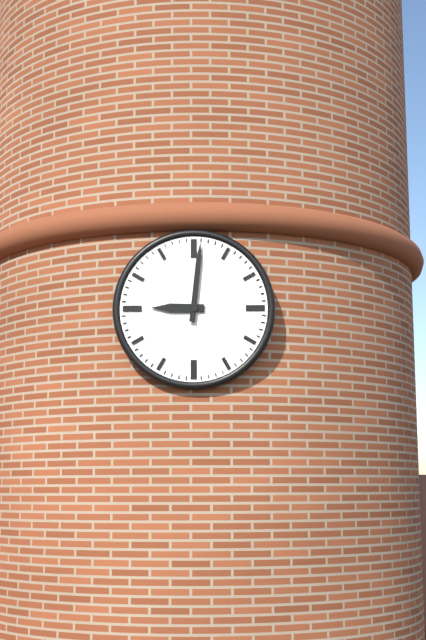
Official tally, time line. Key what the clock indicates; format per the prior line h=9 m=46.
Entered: h=9 m=1
